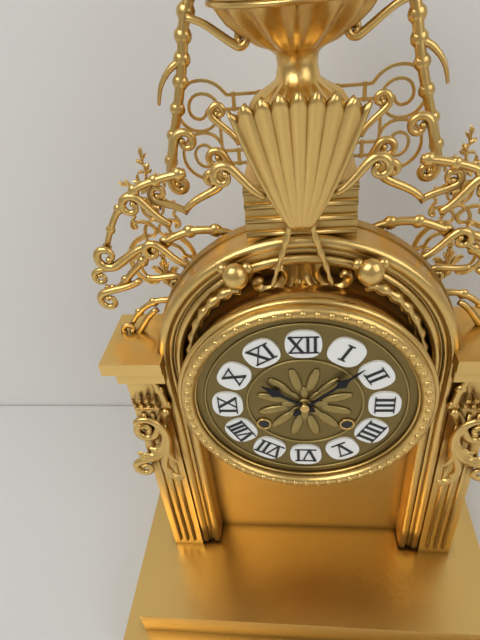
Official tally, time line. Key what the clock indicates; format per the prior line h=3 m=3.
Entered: h=10 m=8
